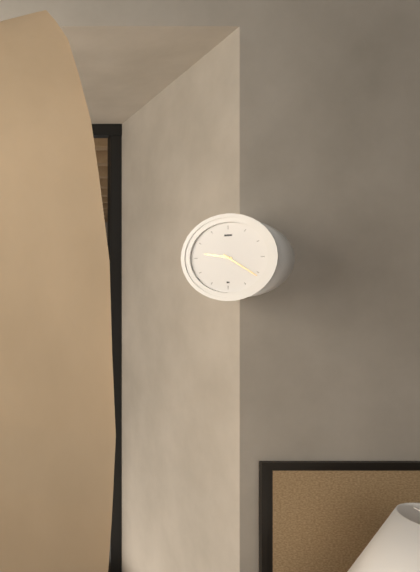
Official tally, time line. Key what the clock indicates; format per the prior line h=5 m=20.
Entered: h=9 m=21
